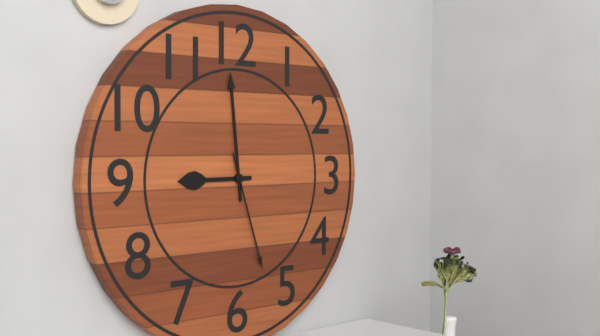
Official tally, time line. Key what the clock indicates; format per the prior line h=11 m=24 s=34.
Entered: h=8 m=59 s=27
